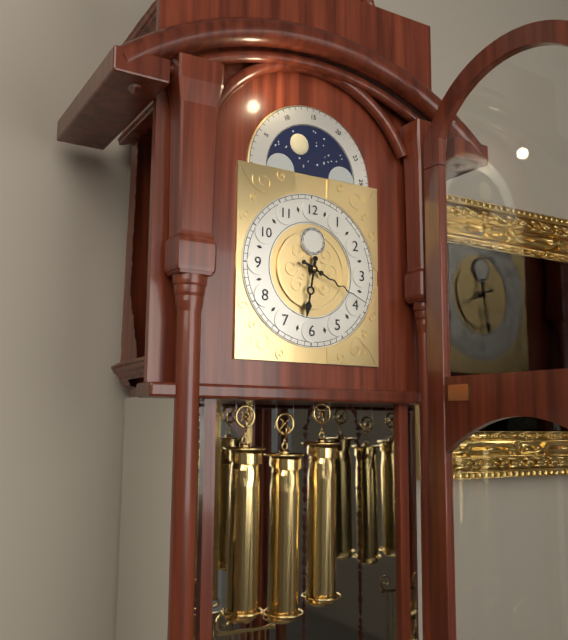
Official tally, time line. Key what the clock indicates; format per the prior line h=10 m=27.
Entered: h=6 m=19
